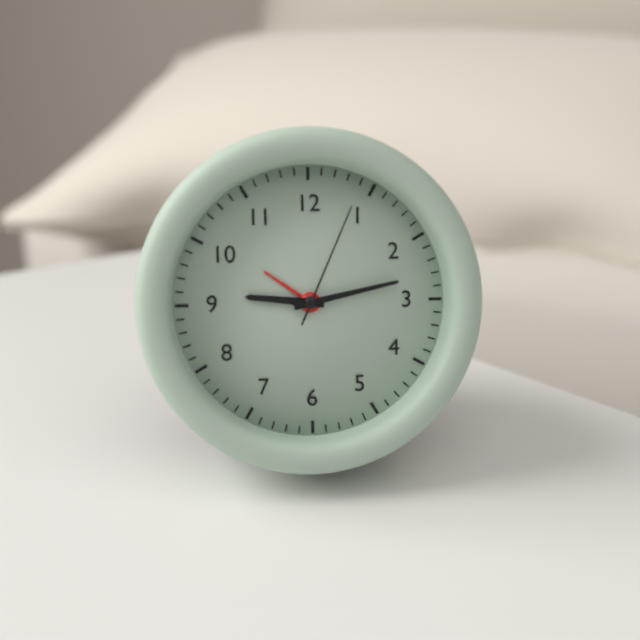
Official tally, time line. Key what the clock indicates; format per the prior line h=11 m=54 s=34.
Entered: h=9 m=13 s=4
